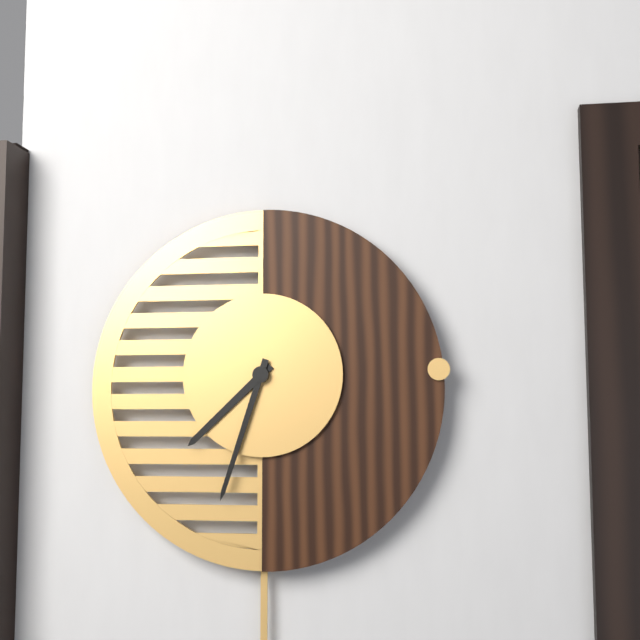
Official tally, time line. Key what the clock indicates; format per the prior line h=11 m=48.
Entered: h=7 m=33
